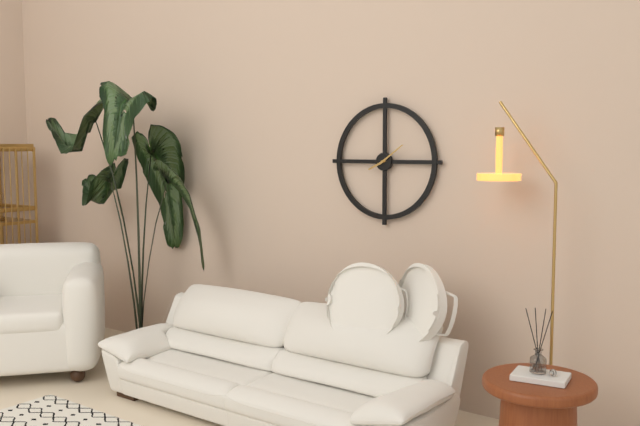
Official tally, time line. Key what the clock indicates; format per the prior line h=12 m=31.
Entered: h=8 m=9
